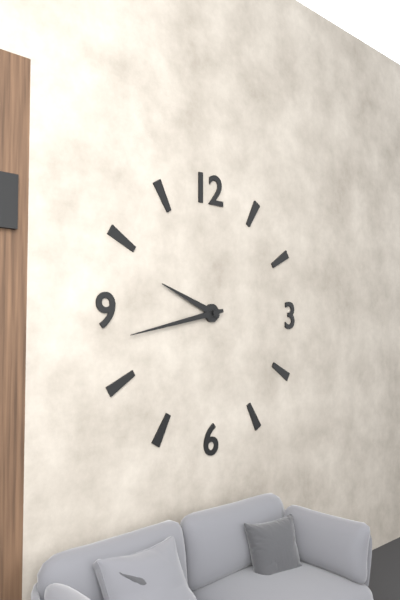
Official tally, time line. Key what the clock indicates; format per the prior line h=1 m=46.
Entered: h=9 m=43
